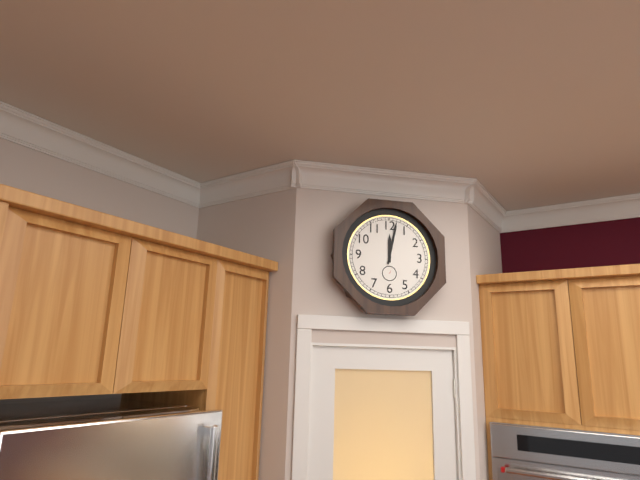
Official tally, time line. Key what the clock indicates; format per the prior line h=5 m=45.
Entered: h=12 m=2
